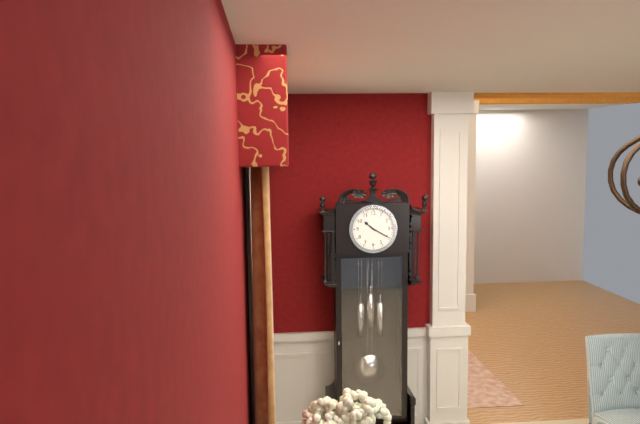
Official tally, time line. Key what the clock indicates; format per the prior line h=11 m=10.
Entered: h=10 m=20
